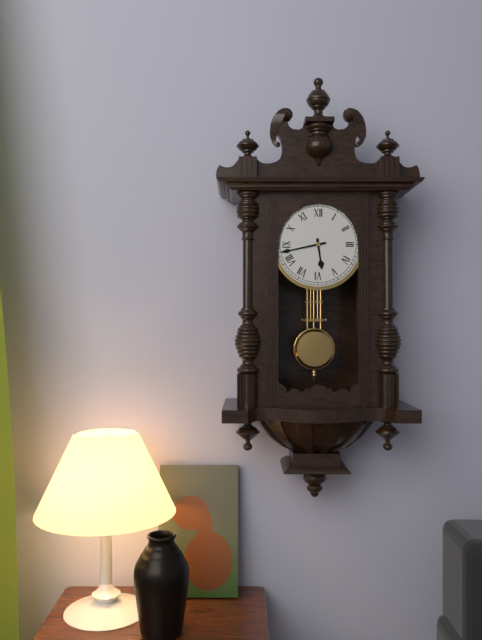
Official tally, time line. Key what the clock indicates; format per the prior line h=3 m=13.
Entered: h=5 m=43
